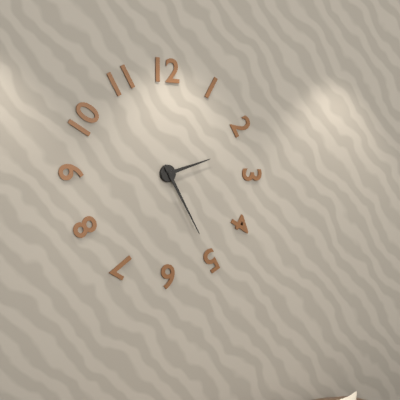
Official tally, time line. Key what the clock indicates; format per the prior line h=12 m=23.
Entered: h=2 m=25
